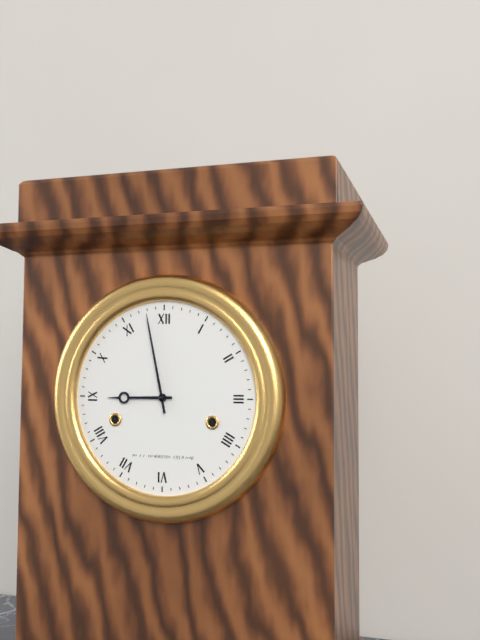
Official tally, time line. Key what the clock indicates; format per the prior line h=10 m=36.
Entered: h=8 m=58
